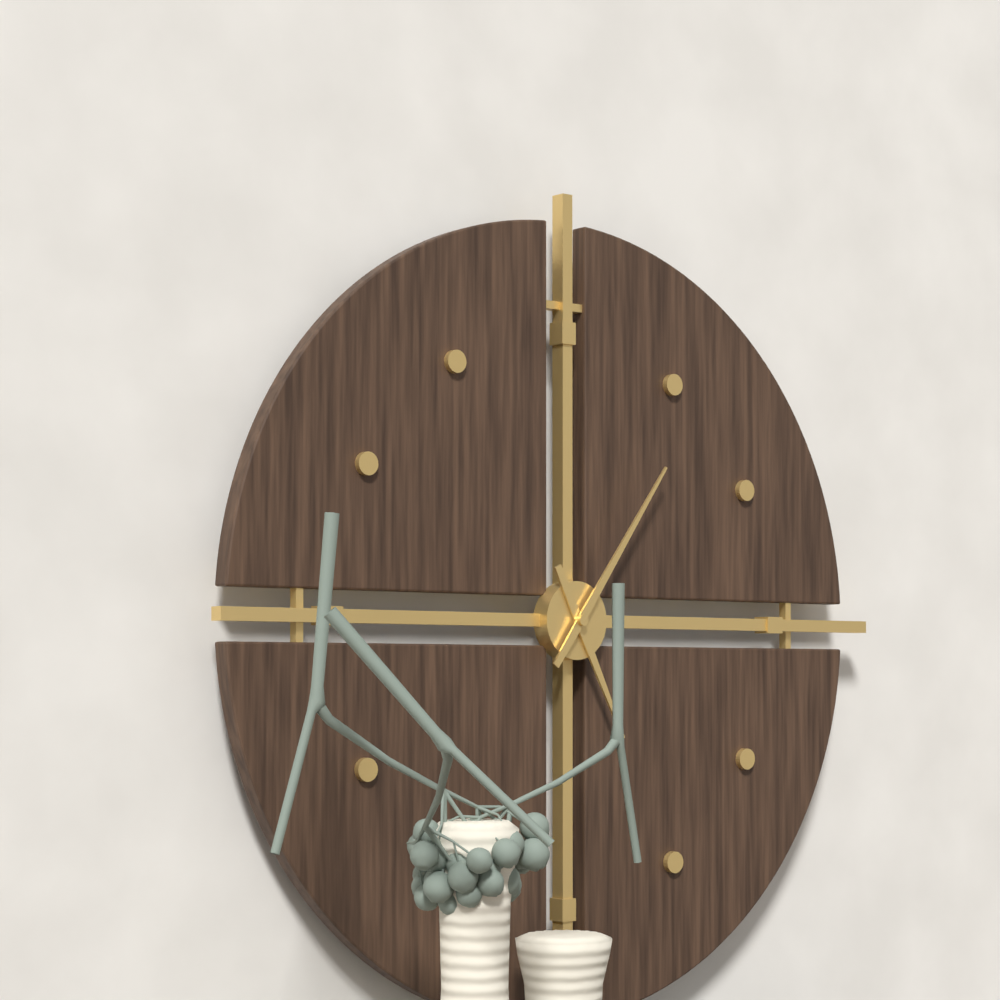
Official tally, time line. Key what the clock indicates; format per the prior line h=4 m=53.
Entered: h=5 m=6
